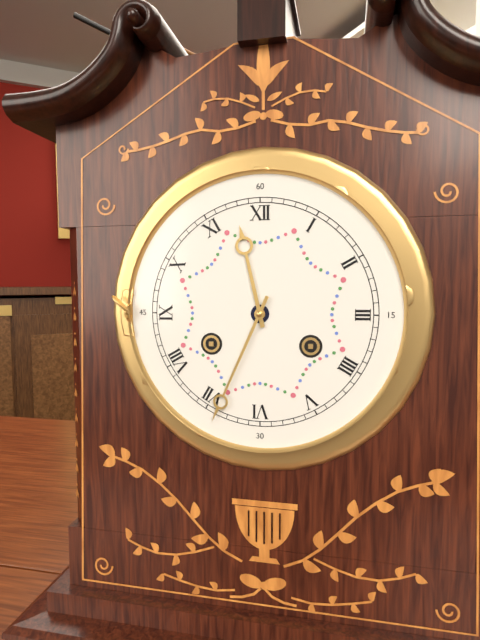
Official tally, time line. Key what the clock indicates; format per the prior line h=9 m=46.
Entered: h=11 m=34
